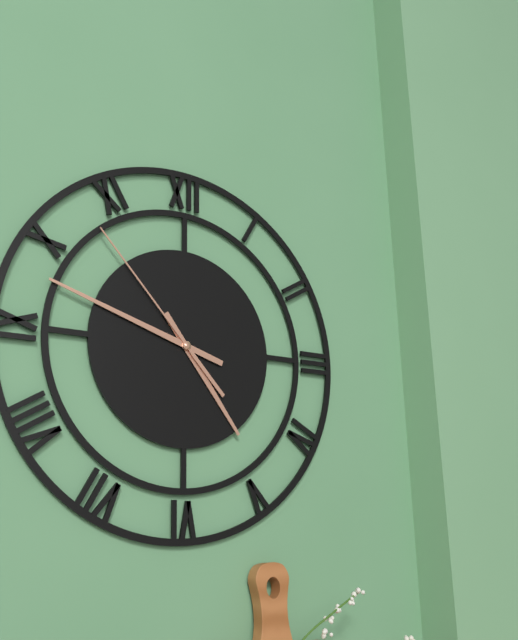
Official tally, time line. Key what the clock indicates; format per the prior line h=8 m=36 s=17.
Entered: h=4 m=48 s=53
